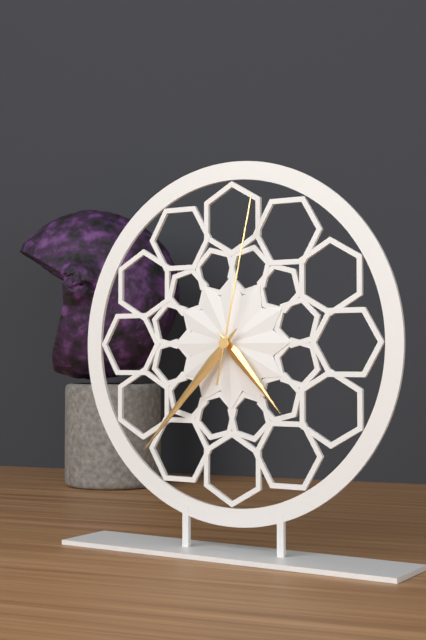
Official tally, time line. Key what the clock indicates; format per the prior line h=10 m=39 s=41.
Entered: h=4 m=37 s=2
